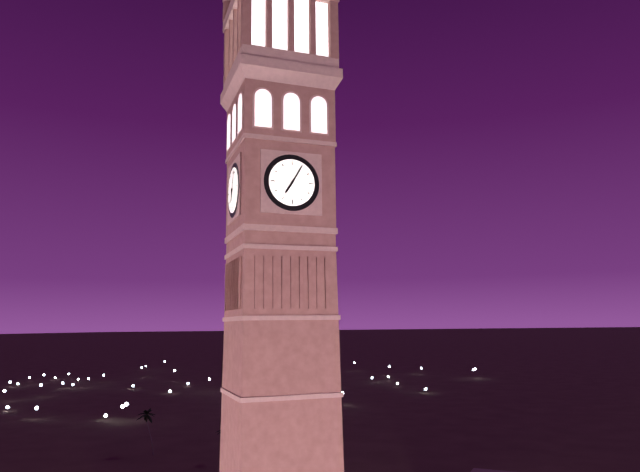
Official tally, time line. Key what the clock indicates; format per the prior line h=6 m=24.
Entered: h=7 m=5
